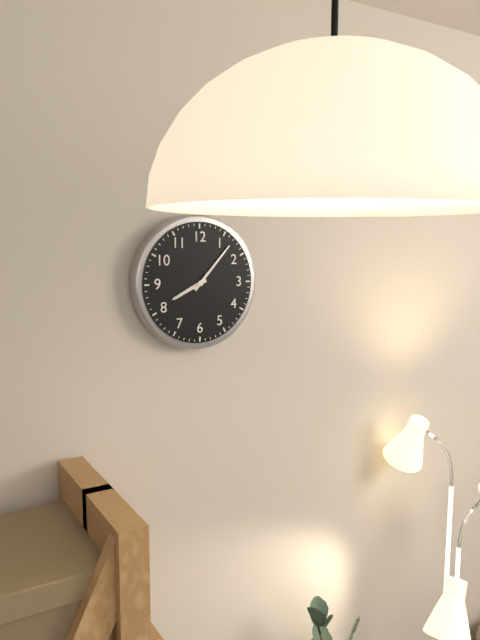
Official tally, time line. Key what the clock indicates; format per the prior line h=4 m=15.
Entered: h=8 m=7
